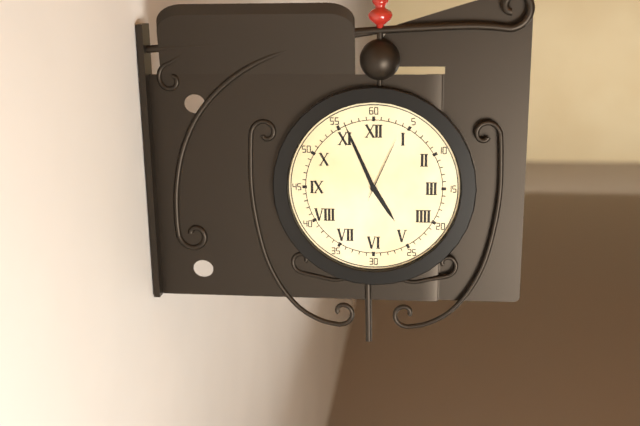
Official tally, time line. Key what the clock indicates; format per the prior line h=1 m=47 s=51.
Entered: h=4 m=56 s=4
